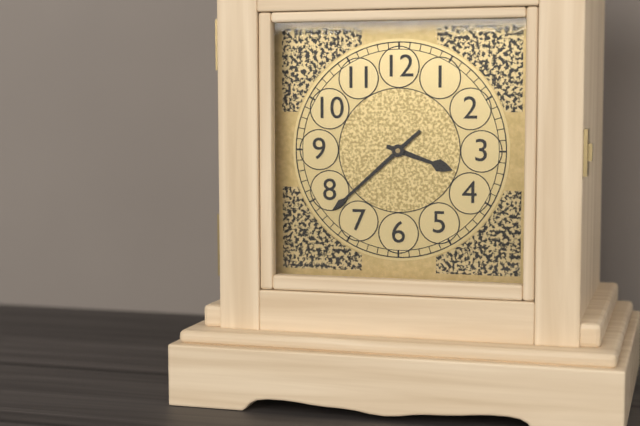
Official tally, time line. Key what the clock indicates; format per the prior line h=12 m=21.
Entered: h=3 m=38
